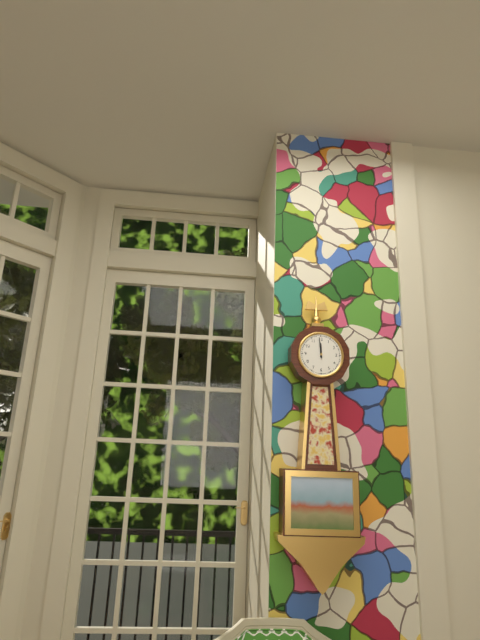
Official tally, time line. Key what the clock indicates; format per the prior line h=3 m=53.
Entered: h=11 m=59
